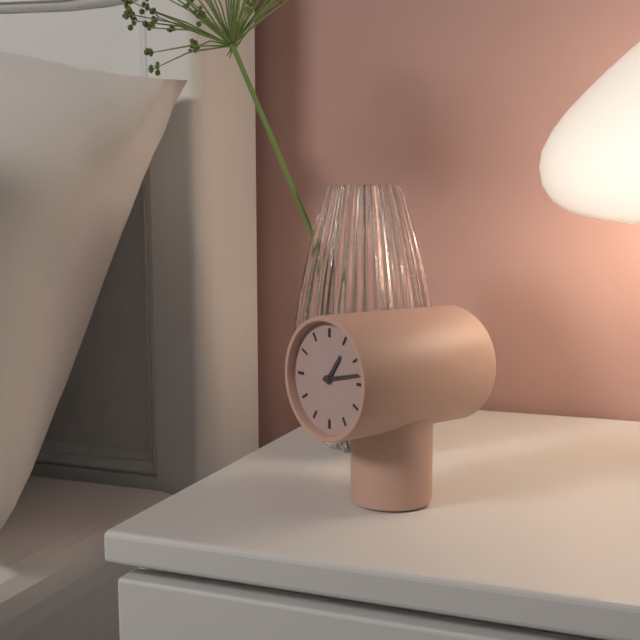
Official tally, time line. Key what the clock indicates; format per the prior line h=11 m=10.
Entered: h=1 m=13
